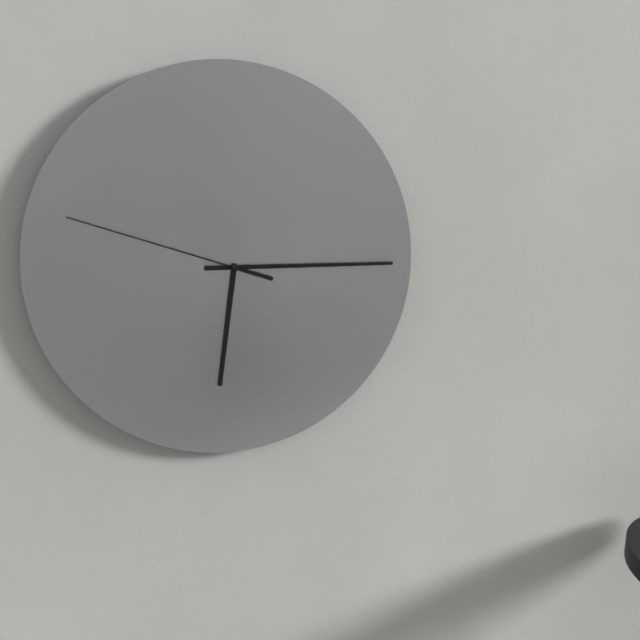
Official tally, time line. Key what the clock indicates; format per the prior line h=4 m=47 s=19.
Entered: h=6 m=15 s=48
